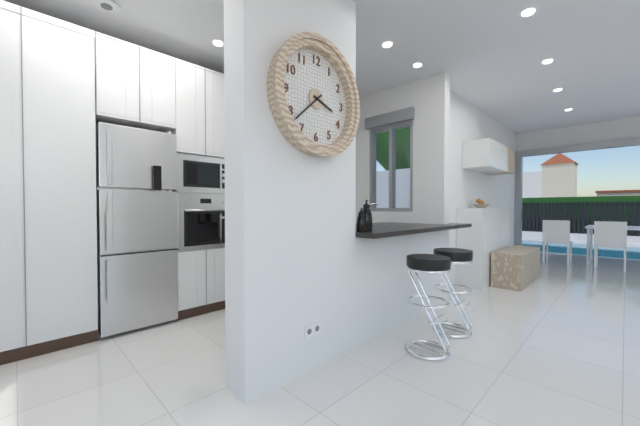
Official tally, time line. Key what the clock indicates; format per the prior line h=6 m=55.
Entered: h=3 m=38
